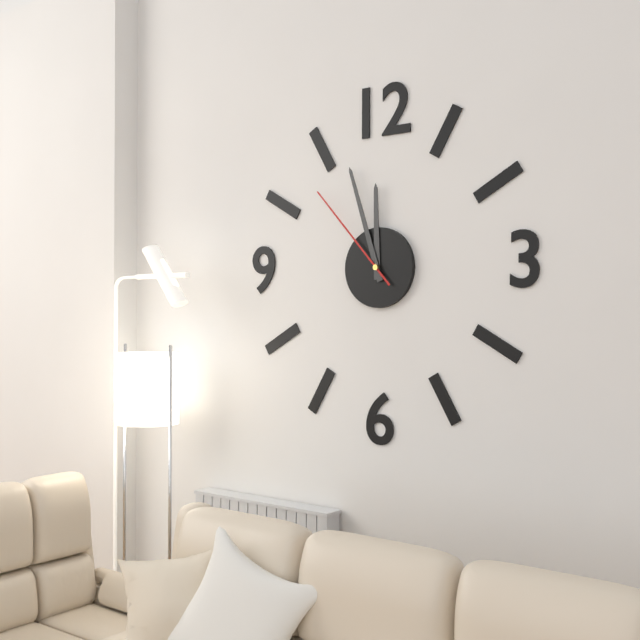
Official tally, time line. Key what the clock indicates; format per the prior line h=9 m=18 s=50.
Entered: h=11 m=57 s=53
